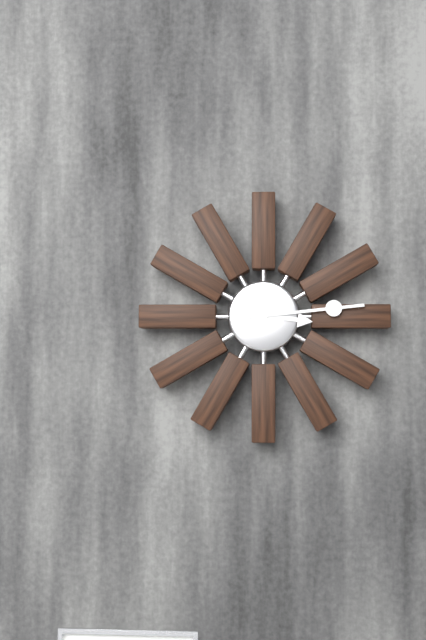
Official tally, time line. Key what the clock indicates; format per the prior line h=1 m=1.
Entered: h=3 m=14
